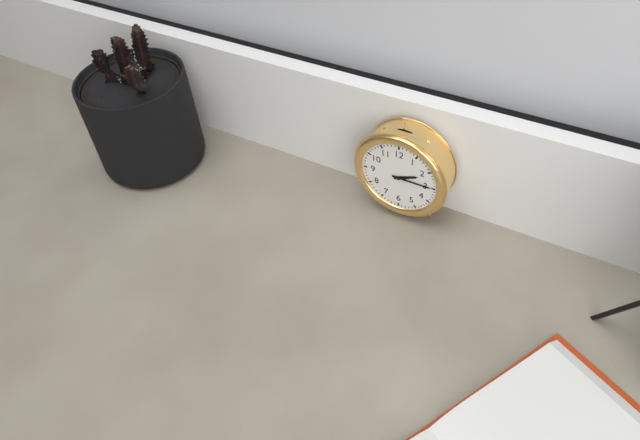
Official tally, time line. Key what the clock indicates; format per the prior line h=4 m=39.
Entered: h=2 m=15
